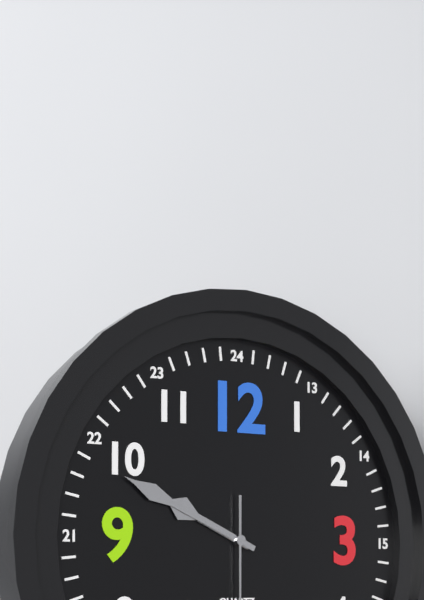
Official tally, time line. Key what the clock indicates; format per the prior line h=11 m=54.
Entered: h=9 m=49
